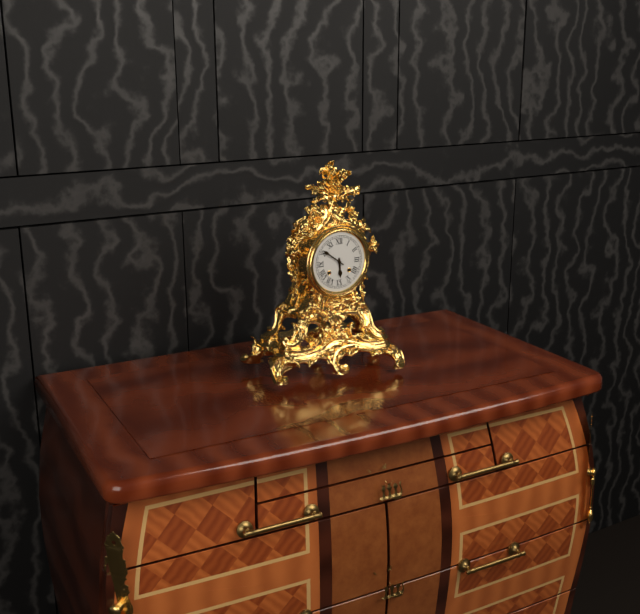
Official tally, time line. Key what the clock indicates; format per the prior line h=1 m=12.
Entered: h=5 m=51
